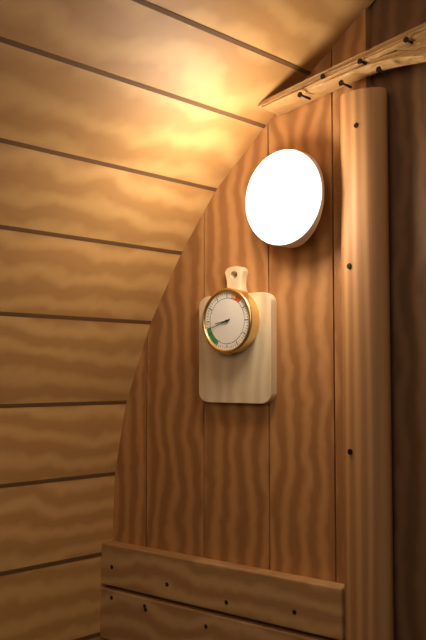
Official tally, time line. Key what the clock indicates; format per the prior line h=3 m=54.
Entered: h=8 m=42
